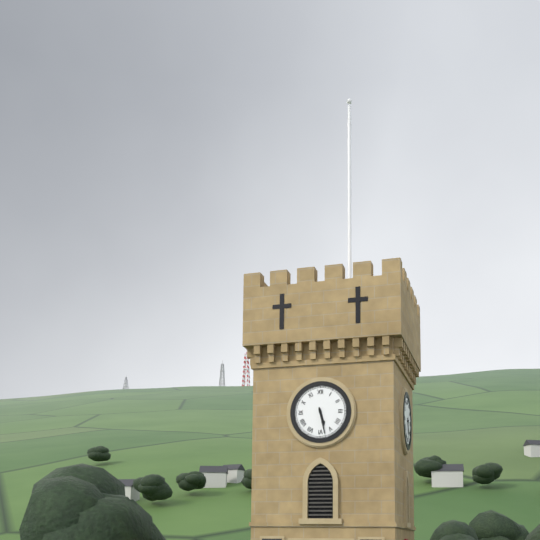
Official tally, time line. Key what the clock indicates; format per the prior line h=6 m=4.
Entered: h=5 m=28
